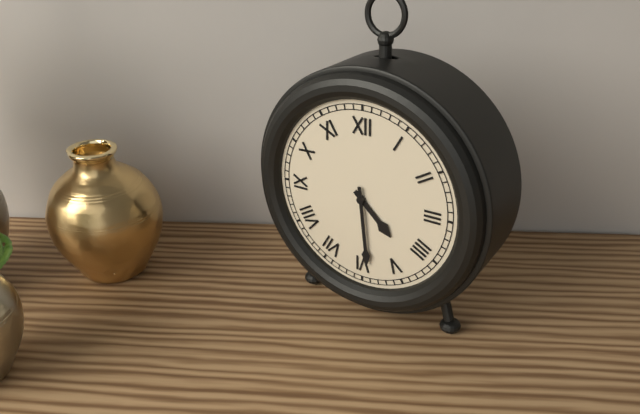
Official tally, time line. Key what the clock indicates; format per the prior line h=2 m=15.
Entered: h=4 m=29
